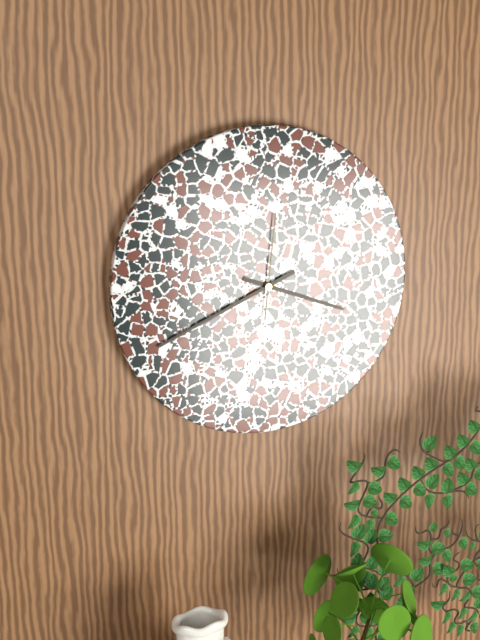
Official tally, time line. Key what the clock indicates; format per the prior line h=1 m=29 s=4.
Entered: h=3 m=41 s=1
